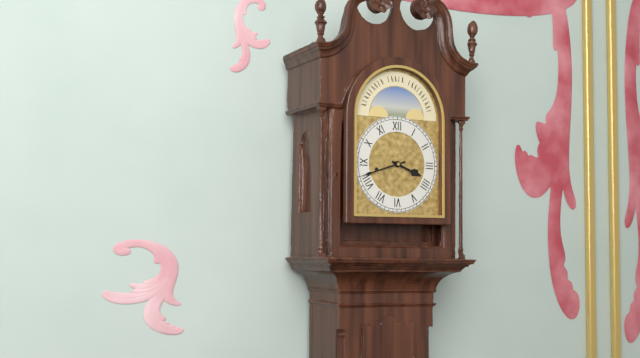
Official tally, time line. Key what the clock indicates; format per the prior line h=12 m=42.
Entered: h=3 m=42
